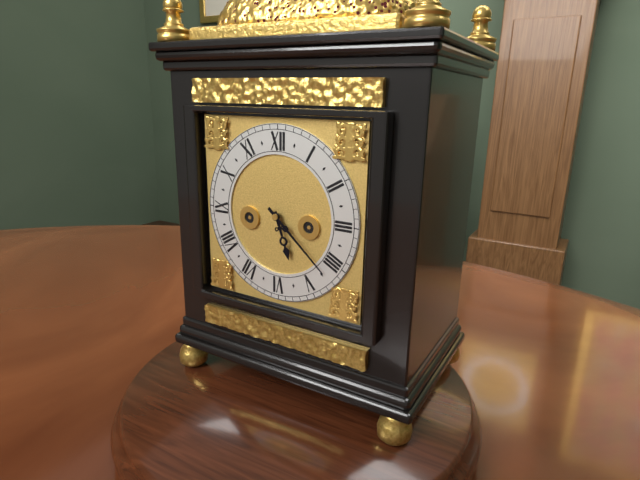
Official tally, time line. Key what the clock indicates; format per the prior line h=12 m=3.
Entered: h=5 m=22
